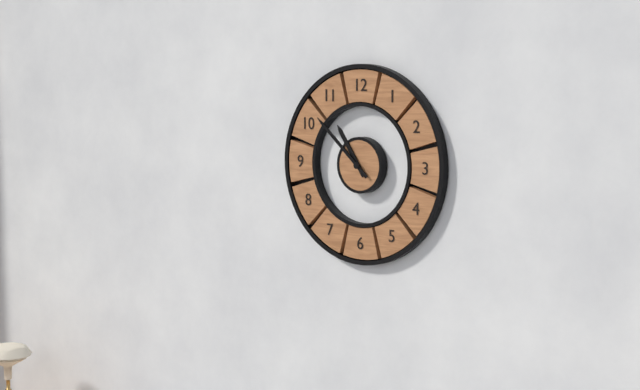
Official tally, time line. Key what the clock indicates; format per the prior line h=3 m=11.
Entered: h=10 m=52
